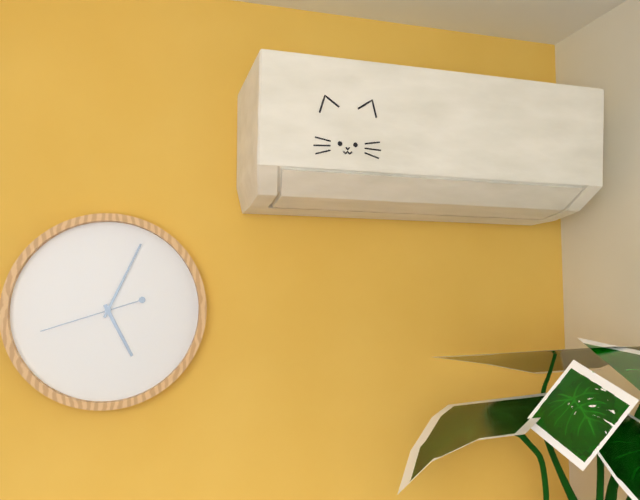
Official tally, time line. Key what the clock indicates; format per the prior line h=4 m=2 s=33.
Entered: h=5 m=4 s=42
